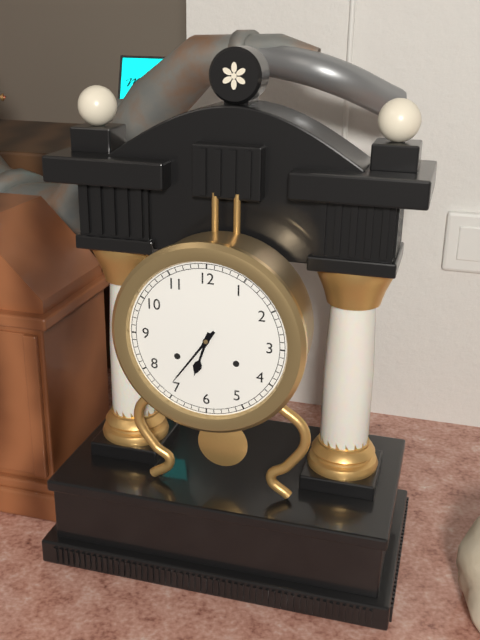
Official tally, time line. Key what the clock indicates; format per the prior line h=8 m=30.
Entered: h=6 m=36
